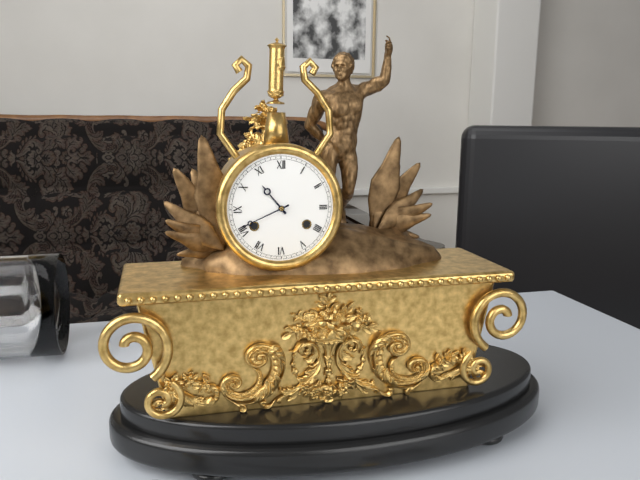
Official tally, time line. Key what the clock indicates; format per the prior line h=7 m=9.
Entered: h=10 m=41
